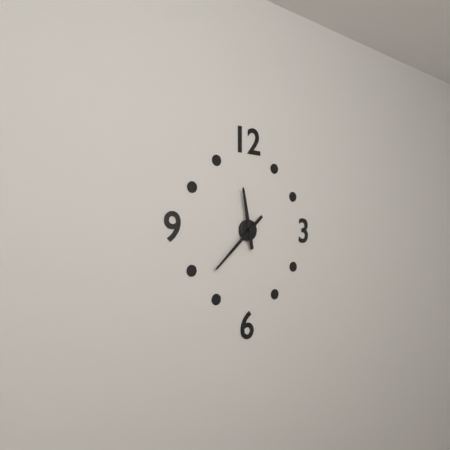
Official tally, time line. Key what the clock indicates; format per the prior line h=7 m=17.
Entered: h=11 m=38
